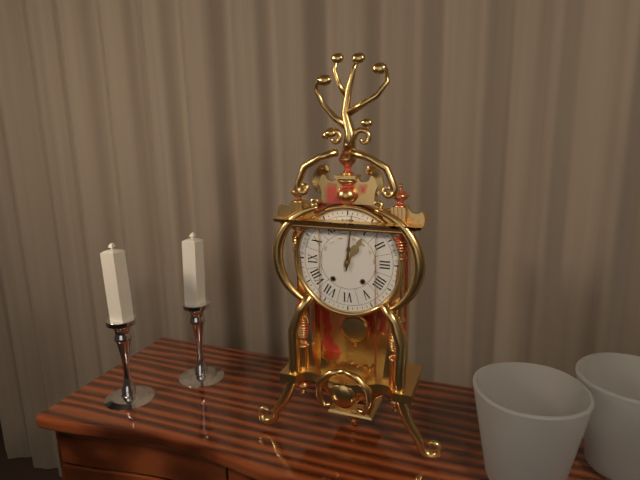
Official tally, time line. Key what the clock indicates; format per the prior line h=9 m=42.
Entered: h=1 m=1
